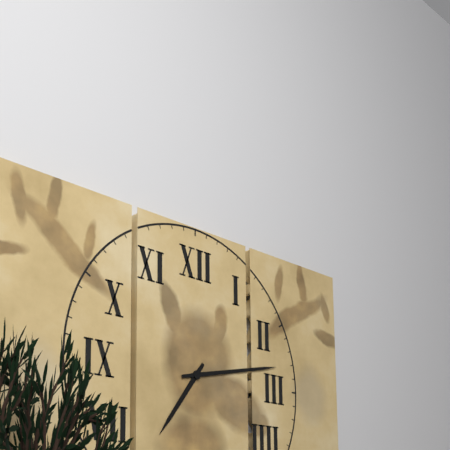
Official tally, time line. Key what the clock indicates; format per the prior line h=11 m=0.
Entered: h=7 m=13
